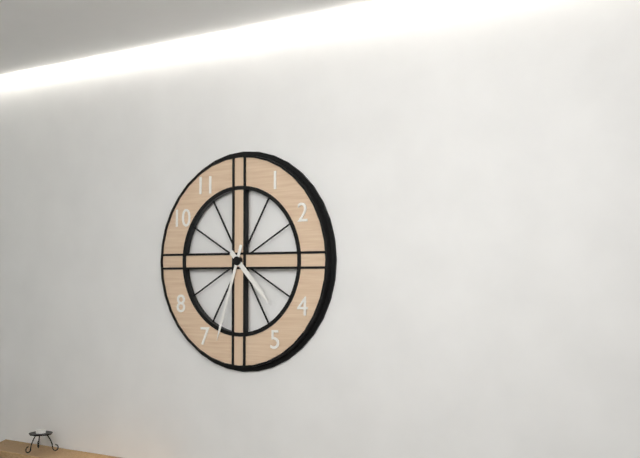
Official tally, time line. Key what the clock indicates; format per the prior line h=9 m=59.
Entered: h=4 m=33
